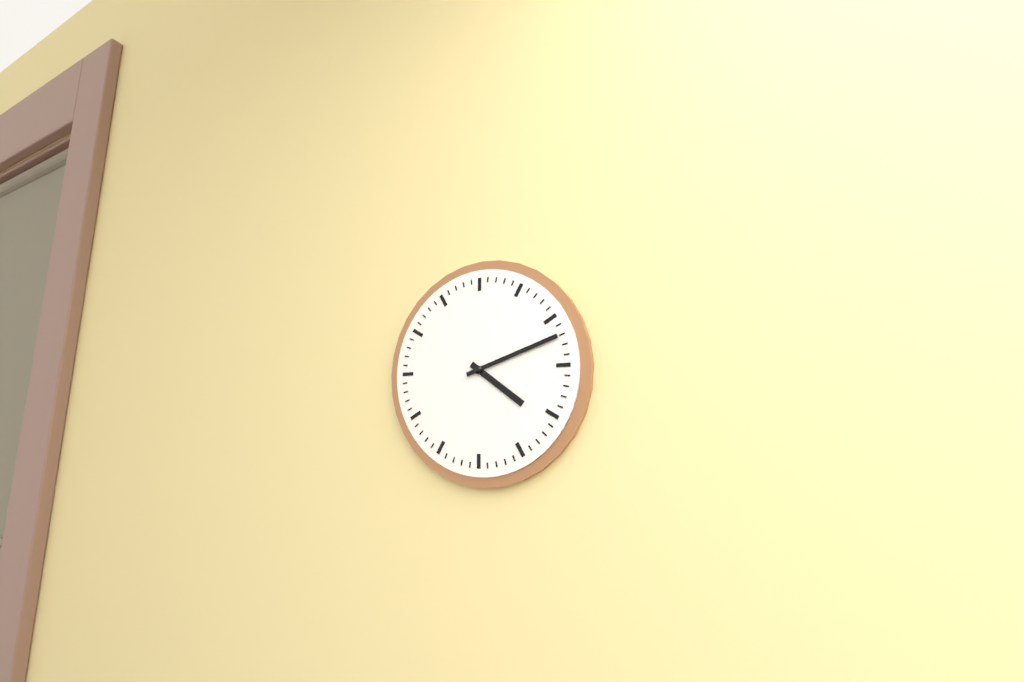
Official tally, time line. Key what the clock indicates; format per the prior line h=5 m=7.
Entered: h=4 m=12
